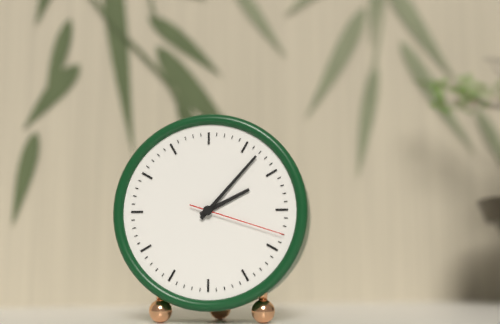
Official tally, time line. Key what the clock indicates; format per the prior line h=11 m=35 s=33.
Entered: h=2 m=7 s=18
